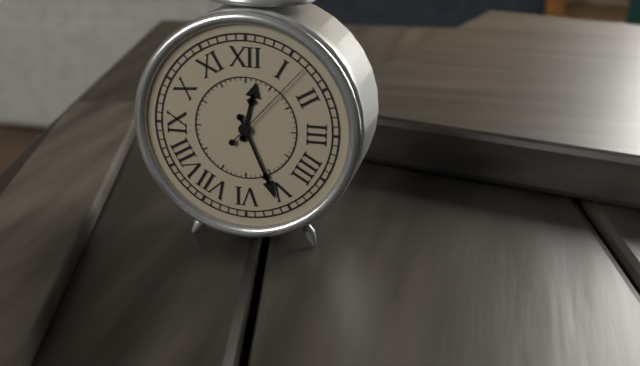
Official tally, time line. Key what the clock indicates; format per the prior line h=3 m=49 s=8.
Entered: h=12 m=26 s=7
